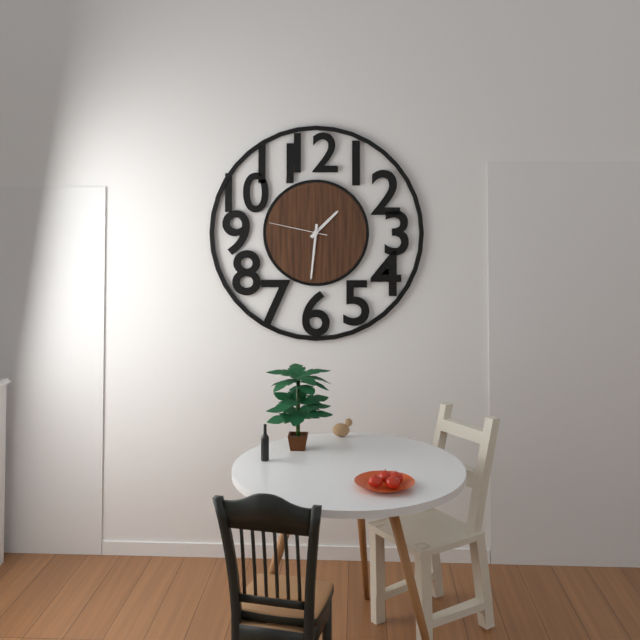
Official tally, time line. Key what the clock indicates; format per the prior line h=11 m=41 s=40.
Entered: h=1 m=31 s=47
